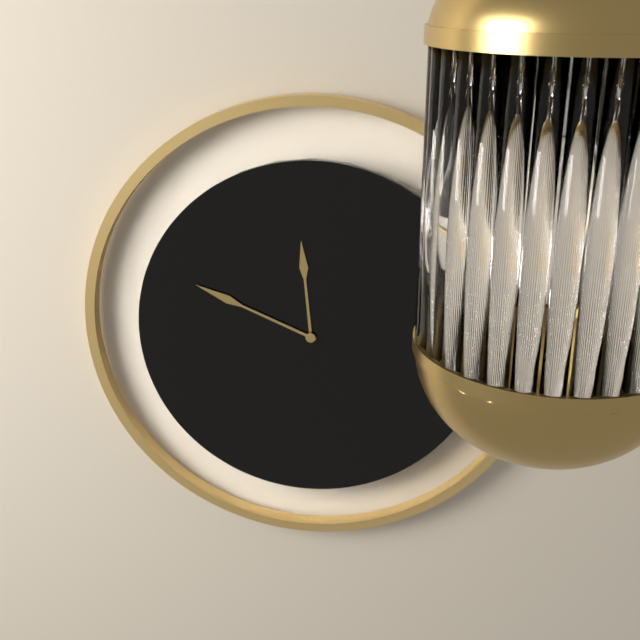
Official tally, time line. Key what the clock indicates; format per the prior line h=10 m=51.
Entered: h=11 m=49
